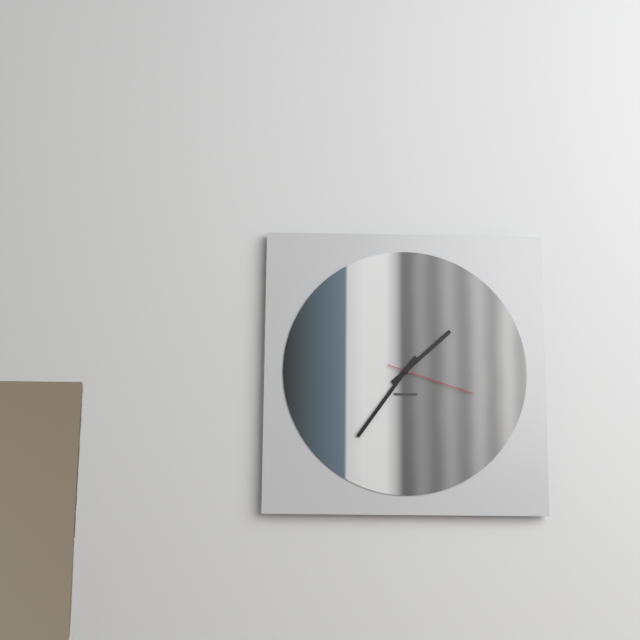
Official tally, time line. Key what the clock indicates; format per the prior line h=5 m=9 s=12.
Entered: h=1 m=36 s=18
